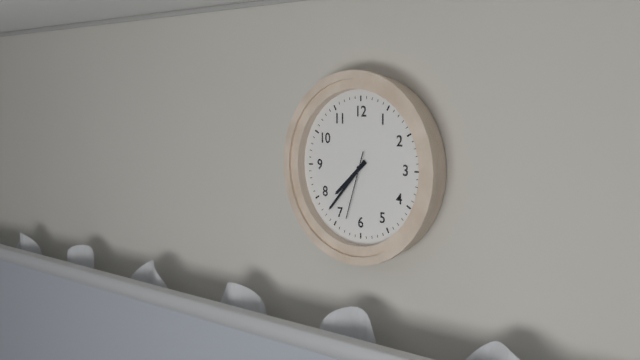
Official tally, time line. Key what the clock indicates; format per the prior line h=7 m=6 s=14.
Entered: h=7 m=37 s=33
